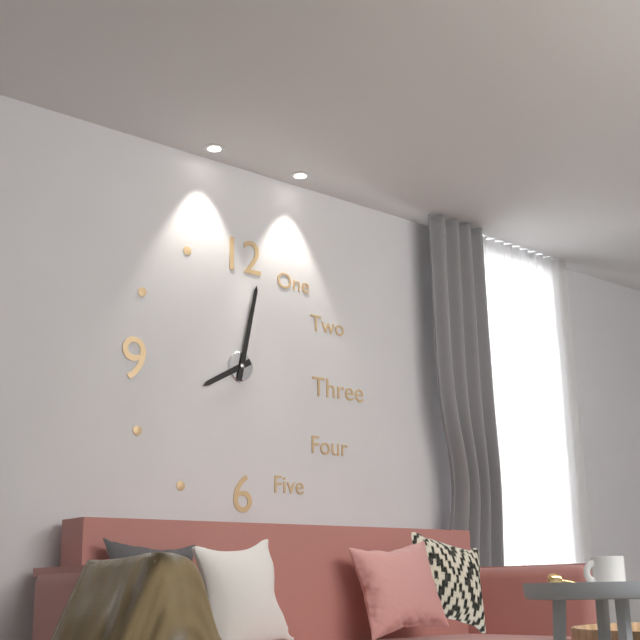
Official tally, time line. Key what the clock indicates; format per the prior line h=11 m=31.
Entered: h=8 m=2
